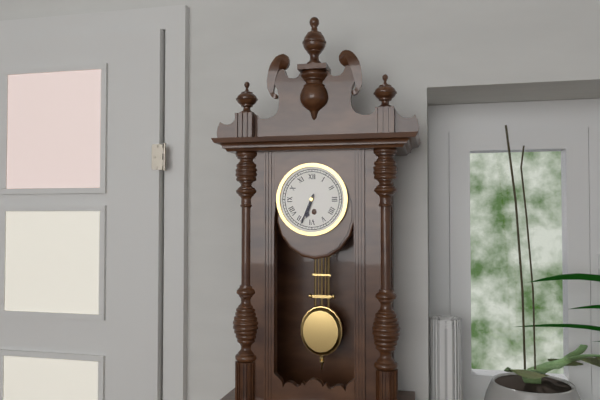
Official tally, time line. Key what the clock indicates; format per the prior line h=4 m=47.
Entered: h=6 m=34
